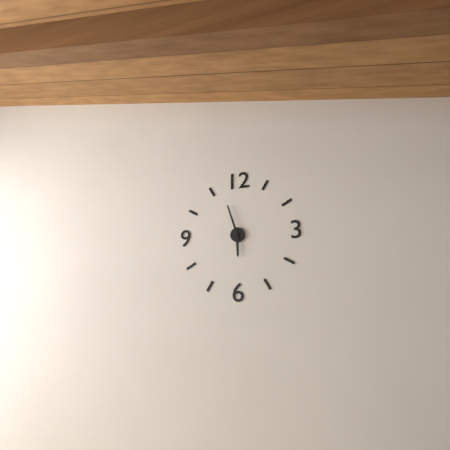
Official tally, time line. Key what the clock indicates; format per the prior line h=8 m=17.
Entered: h=5 m=57
